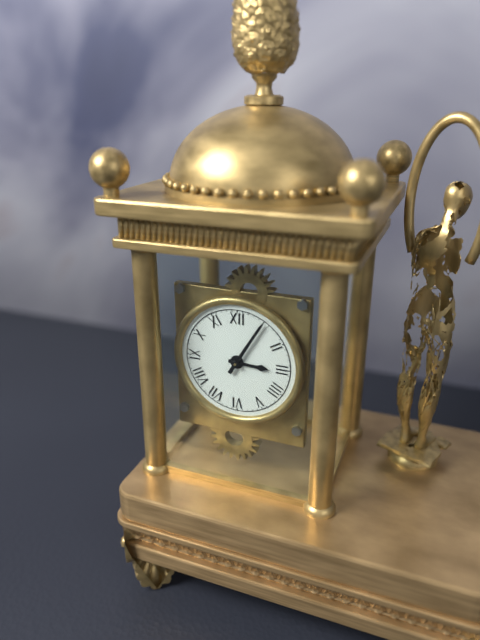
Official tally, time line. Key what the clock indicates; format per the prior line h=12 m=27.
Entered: h=3 m=5
